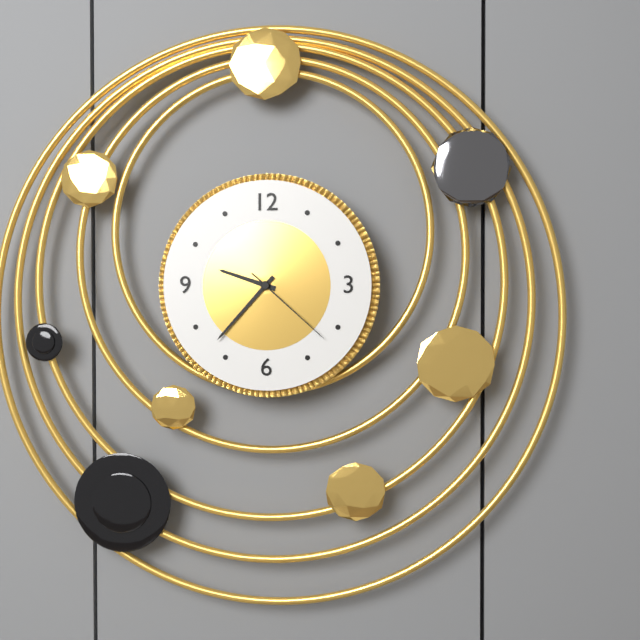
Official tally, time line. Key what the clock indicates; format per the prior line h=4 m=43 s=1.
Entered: h=9 m=37 s=22
